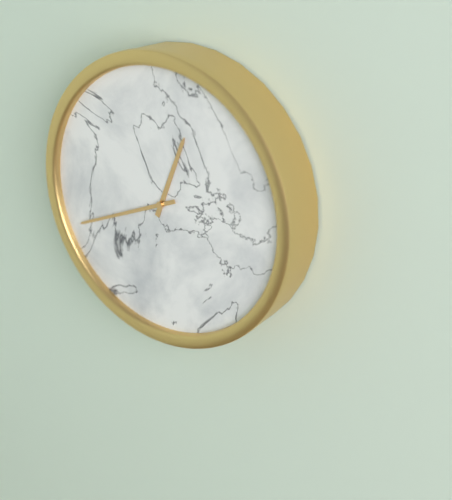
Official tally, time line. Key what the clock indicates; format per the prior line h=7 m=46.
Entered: h=12 m=41
